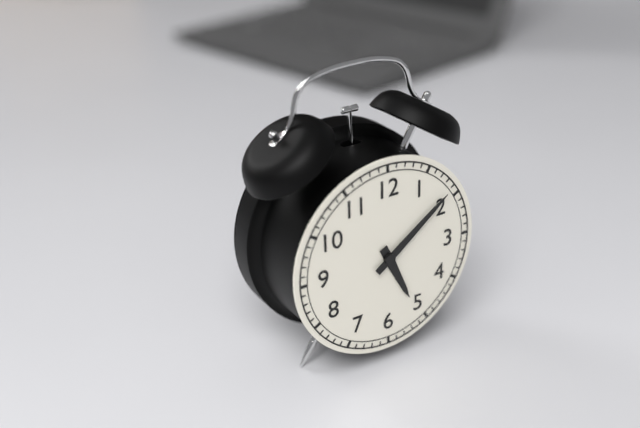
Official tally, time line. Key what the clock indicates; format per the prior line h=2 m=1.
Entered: h=5 m=9
